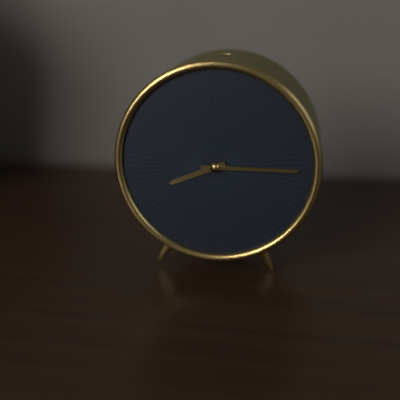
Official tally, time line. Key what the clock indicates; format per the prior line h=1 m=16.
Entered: h=8 m=15
